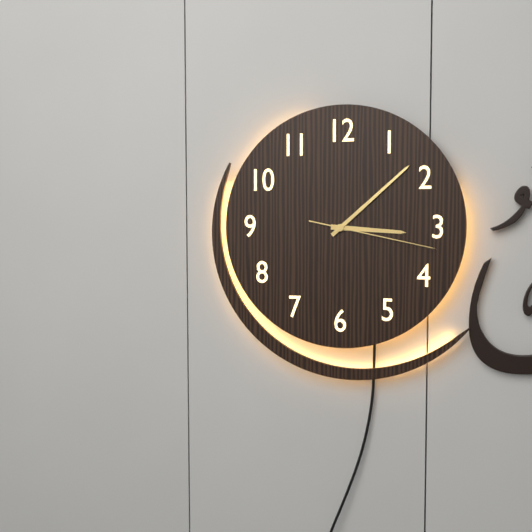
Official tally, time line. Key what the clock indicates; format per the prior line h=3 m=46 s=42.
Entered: h=3 m=8 s=17
